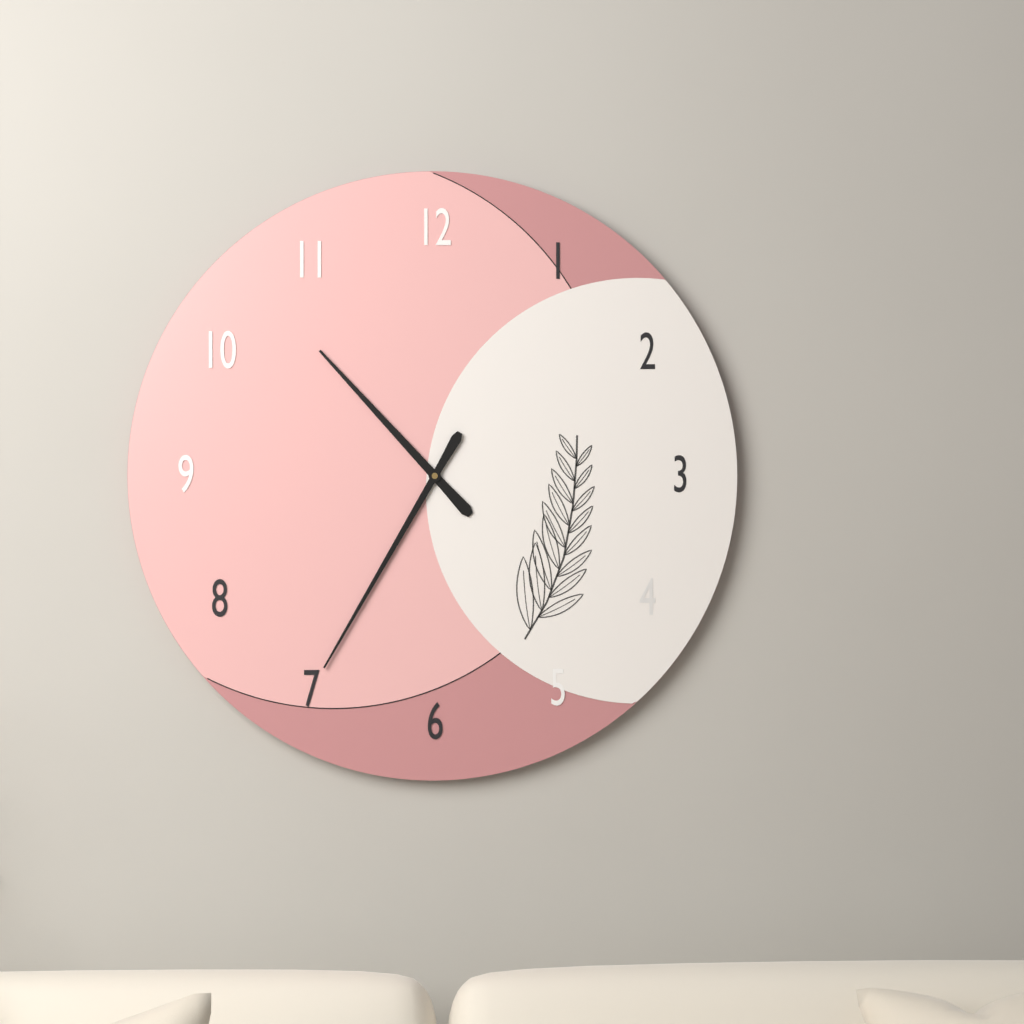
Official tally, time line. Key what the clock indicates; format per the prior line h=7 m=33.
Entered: h=10 m=35
